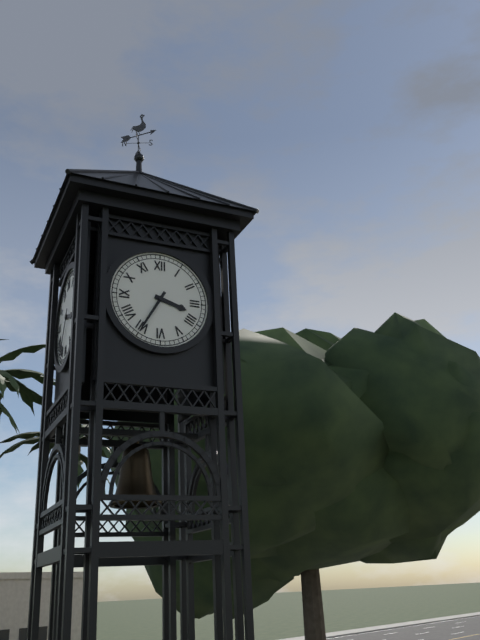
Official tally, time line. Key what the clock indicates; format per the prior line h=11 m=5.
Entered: h=3 m=35
